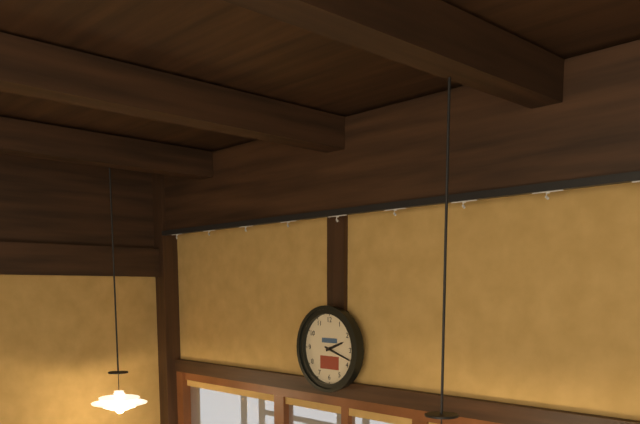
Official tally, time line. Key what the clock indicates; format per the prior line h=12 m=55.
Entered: h=2 m=18
